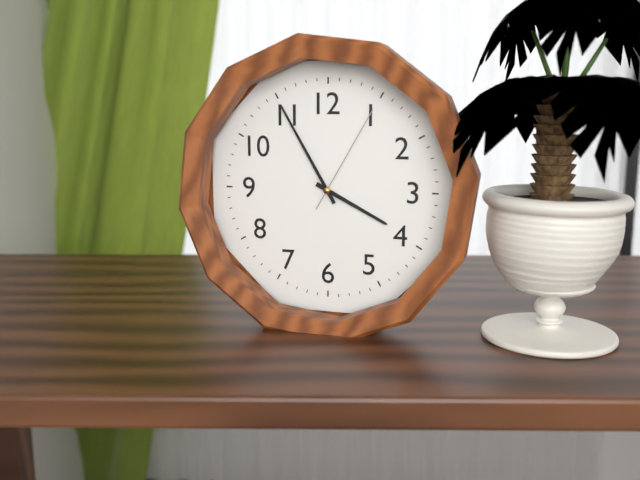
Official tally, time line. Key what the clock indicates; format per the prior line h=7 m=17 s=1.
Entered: h=3 m=55 s=5
